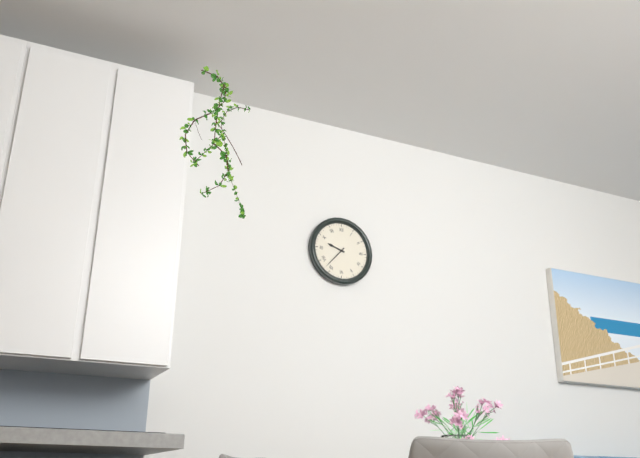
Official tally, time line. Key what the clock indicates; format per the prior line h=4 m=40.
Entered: h=9 m=37
